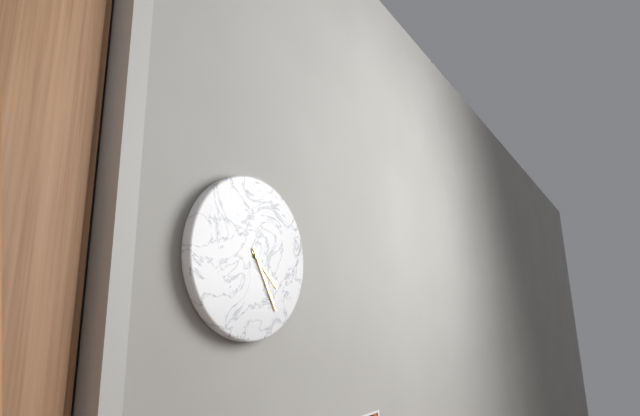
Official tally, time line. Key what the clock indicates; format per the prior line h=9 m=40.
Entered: h=4 m=25
